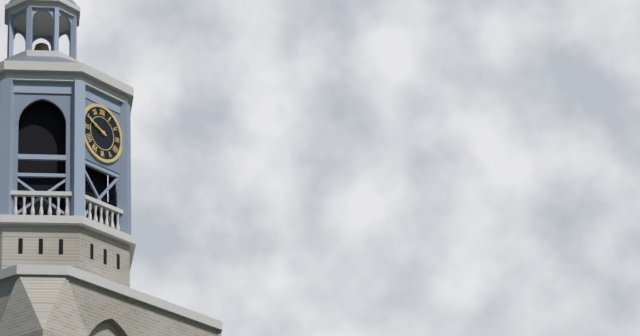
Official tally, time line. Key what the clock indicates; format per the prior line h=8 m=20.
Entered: h=9 m=49
